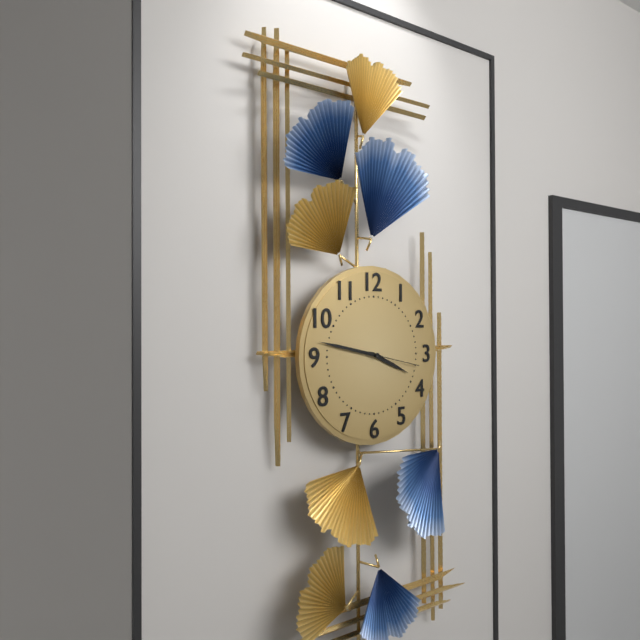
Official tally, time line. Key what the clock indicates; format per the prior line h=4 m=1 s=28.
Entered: h=3 m=47 s=17
